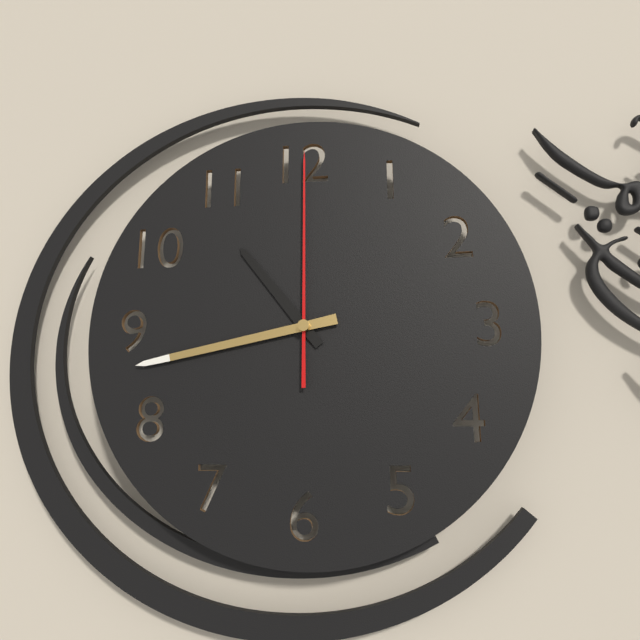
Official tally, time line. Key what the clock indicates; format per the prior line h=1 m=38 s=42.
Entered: h=10 m=43 s=0
